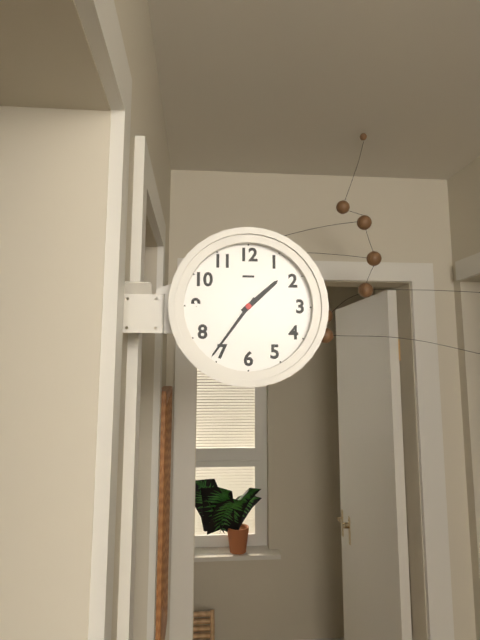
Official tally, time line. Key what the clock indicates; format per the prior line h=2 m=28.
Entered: h=1 m=36
